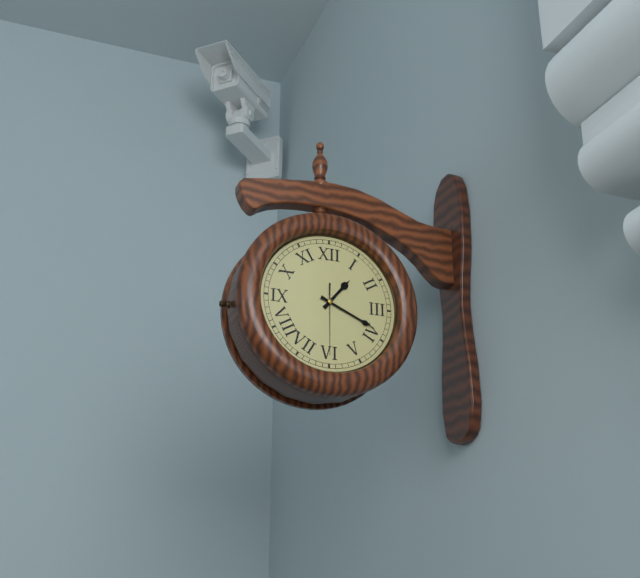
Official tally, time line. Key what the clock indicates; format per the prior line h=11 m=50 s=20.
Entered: h=1 m=19 s=30
